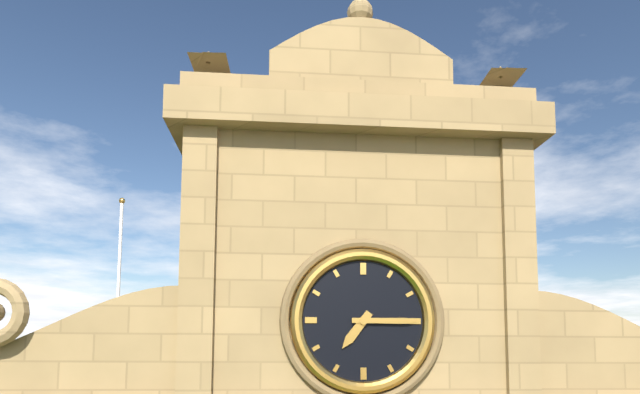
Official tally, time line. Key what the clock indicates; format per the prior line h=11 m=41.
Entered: h=7 m=15
